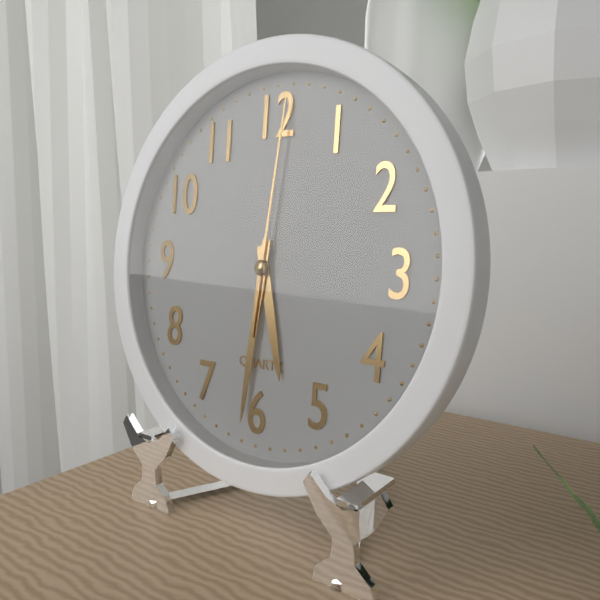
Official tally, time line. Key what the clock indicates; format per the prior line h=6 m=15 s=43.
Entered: h=5 m=31 s=1
